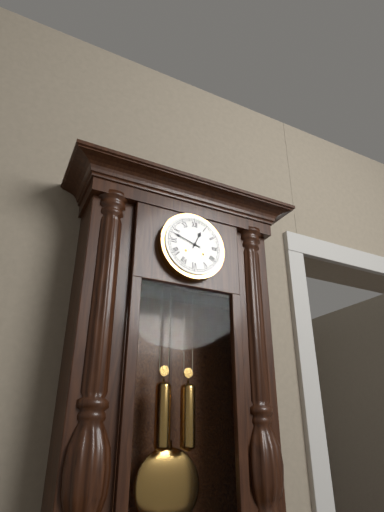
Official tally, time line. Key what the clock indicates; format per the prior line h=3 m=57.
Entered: h=12 m=48
